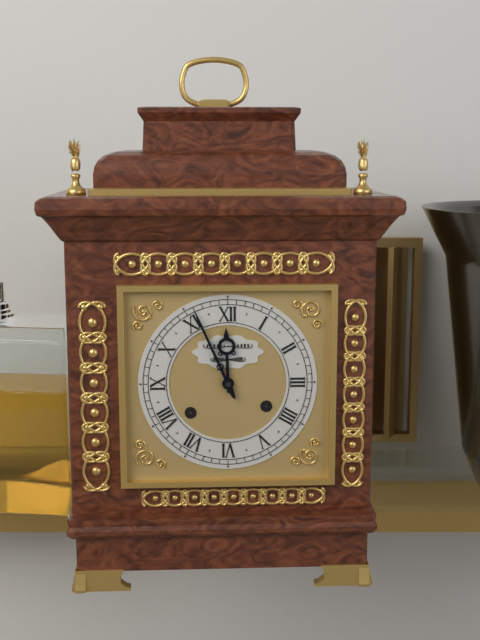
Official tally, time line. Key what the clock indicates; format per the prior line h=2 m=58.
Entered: h=11 m=56
